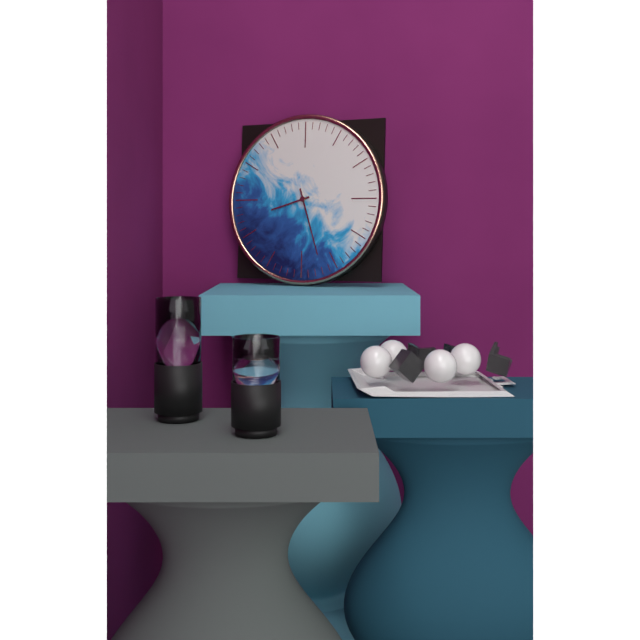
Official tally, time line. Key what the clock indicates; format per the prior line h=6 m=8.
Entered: h=8 m=27
